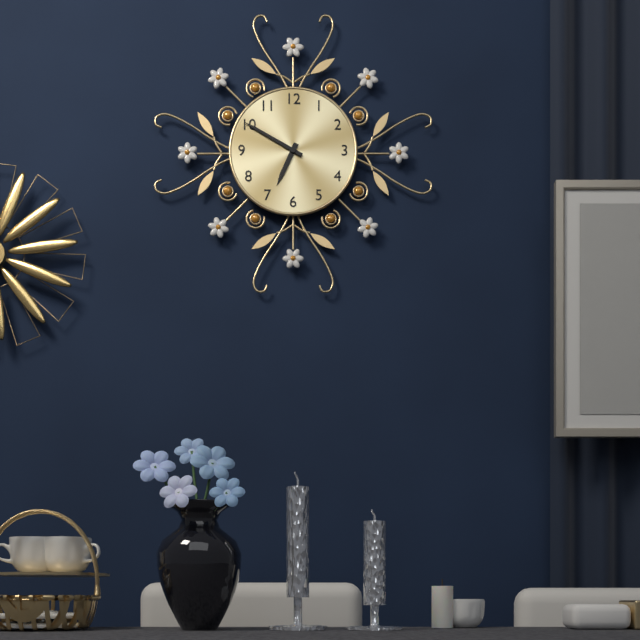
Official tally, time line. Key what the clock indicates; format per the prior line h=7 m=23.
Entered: h=6 m=50
